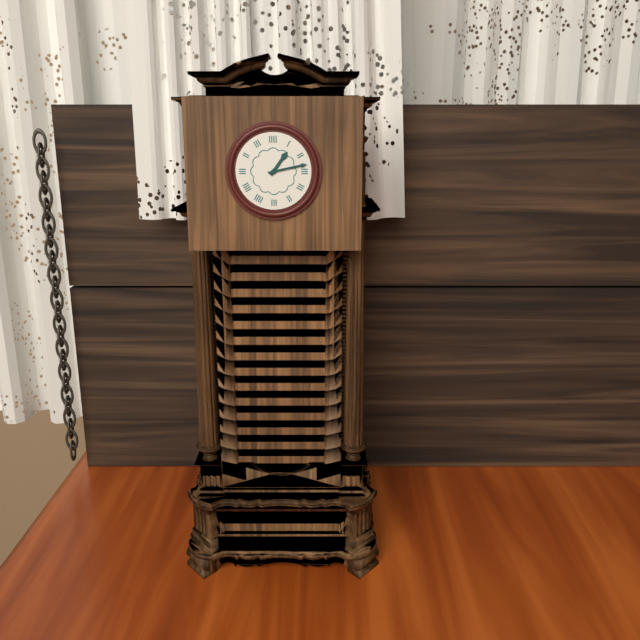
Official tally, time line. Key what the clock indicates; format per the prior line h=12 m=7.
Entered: h=1 m=13
